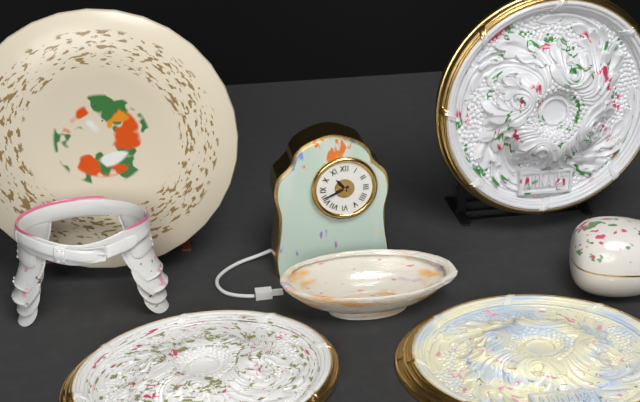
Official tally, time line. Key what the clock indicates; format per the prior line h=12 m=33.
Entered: h=10 m=41
